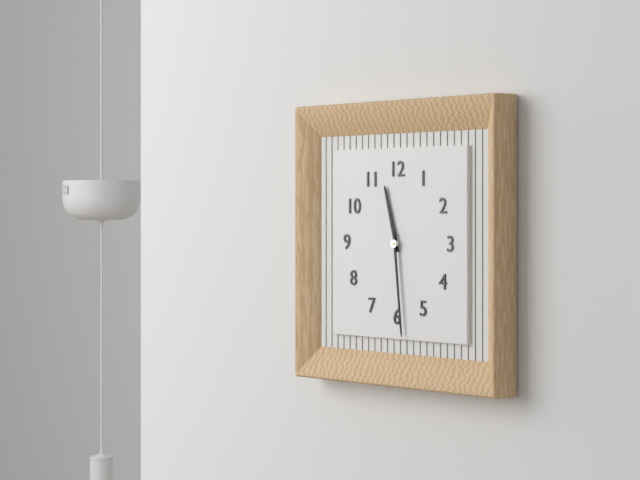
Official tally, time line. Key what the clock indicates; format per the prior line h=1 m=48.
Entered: h=11 m=29
